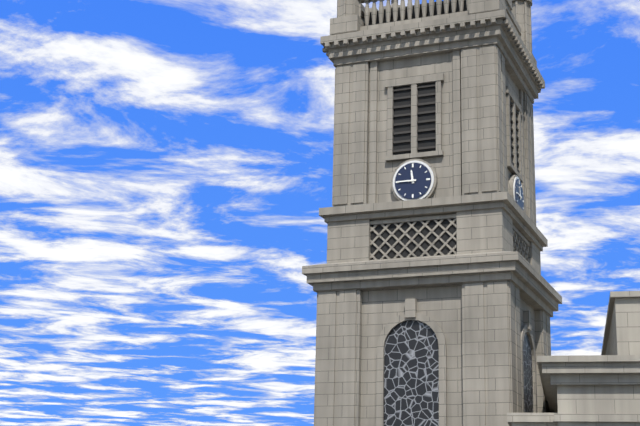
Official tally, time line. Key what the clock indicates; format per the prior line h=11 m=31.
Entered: h=11 m=45
